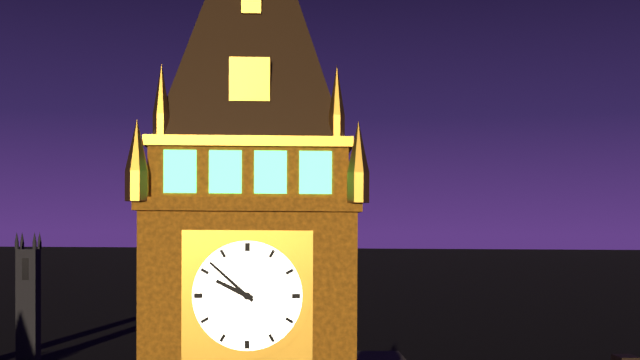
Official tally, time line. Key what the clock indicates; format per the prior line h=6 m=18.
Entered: h=9 m=52
